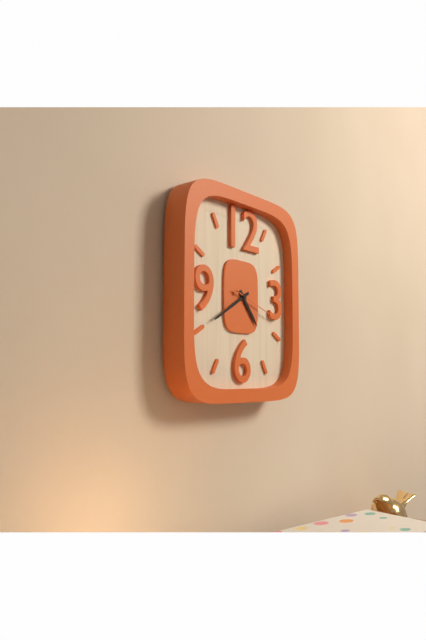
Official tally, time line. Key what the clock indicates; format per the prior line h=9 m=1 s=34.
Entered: h=4 m=40 s=18
